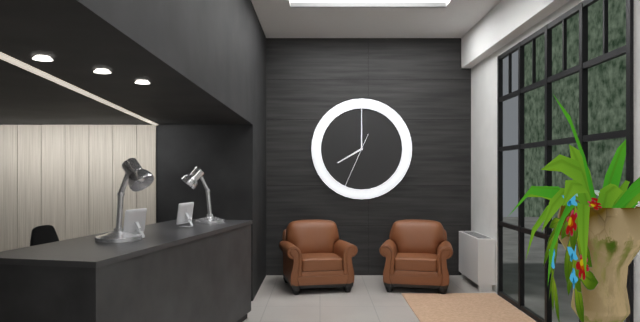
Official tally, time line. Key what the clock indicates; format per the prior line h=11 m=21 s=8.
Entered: h=8 m=0 s=34
